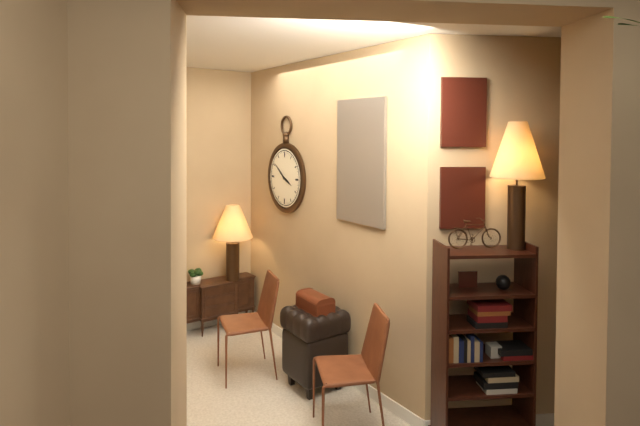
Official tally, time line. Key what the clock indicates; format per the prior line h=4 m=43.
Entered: h=3 m=51
